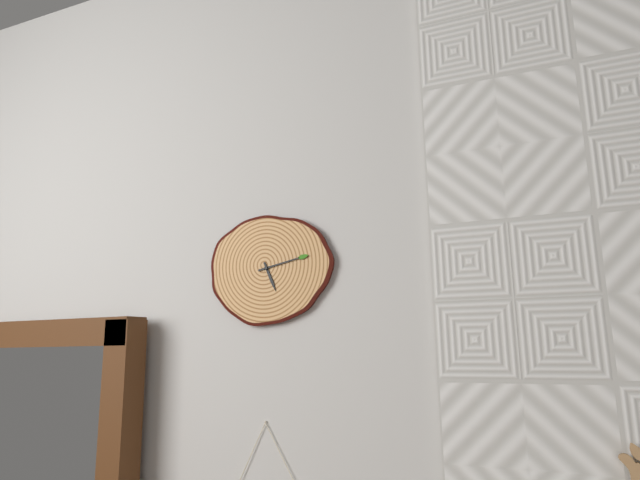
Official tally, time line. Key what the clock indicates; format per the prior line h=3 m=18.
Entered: h=5 m=13
